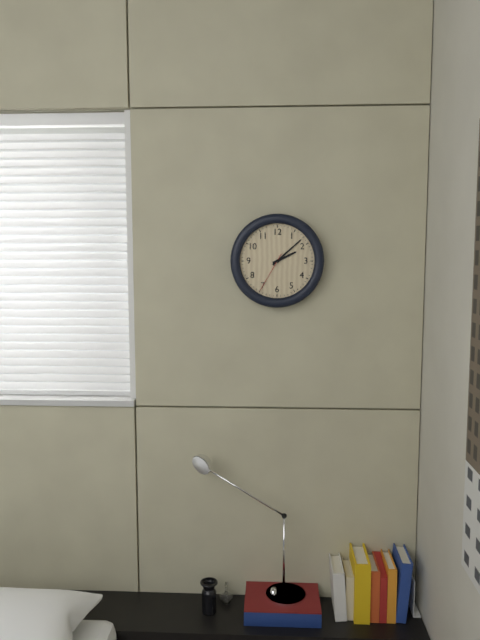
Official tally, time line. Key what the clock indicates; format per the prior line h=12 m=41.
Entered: h=2 m=8
